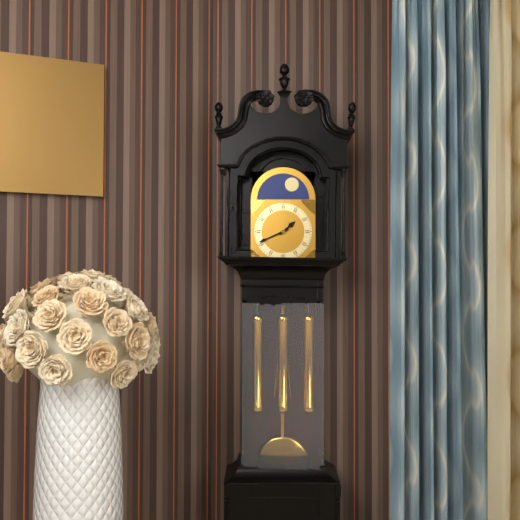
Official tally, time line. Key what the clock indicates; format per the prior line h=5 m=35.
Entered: h=1 m=41
